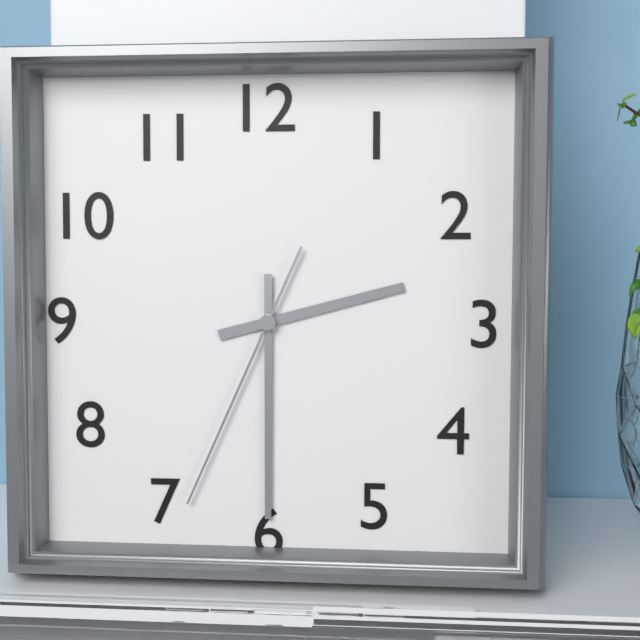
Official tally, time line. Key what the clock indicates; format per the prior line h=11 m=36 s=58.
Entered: h=2 m=30 s=34
